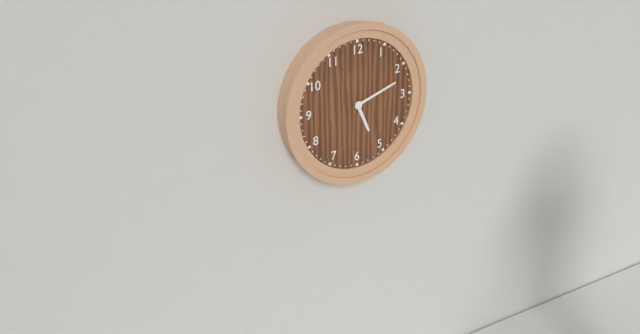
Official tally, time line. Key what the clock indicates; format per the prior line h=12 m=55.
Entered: h=5 m=12
